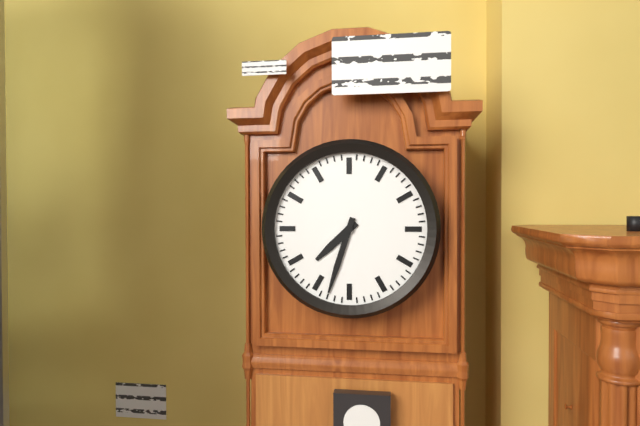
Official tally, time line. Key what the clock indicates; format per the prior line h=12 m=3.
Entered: h=7 m=33
